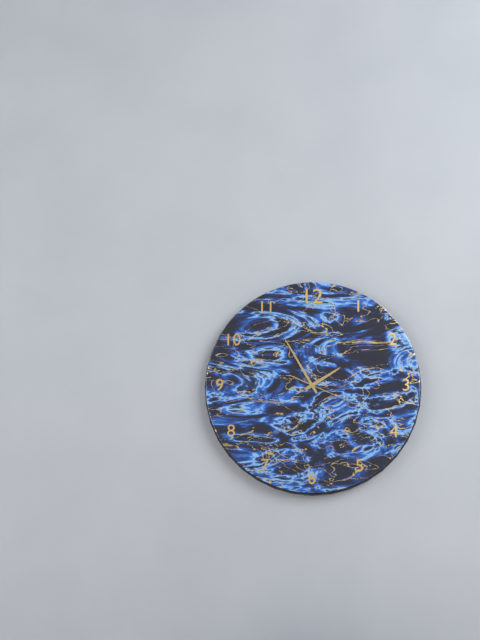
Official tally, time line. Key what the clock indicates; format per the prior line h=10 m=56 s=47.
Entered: h=1 m=55 s=19
